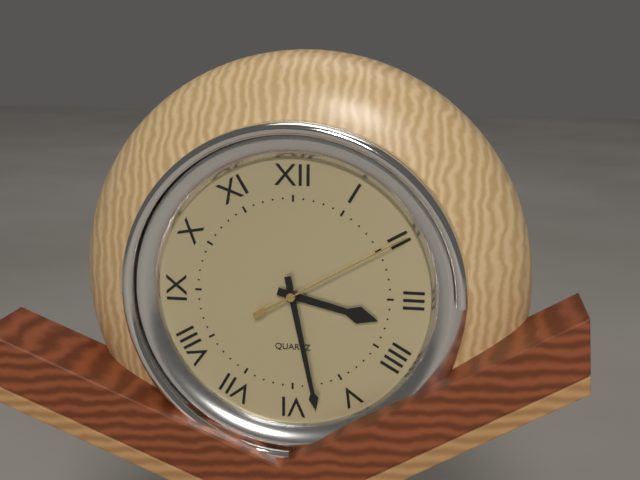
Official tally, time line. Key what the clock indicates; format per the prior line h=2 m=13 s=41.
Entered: h=3 m=28 s=10
